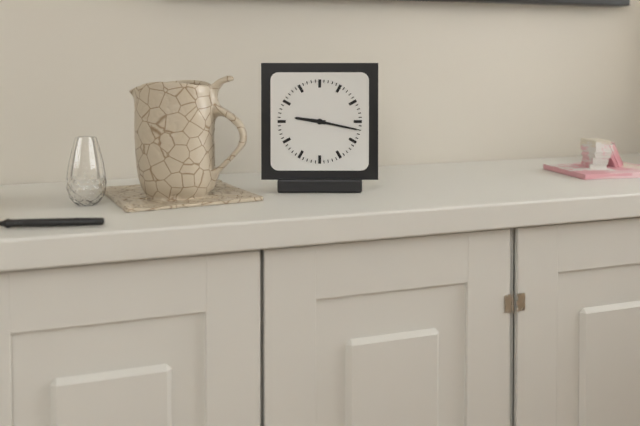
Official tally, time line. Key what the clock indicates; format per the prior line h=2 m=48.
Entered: h=9 m=17
